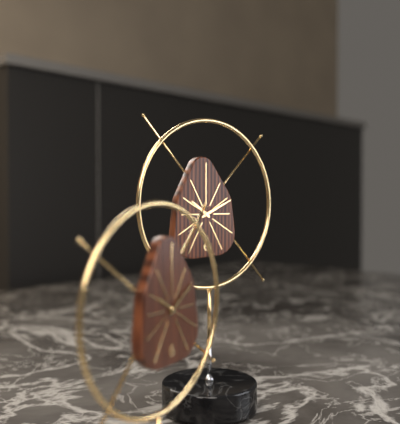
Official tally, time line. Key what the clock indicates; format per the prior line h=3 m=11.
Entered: h=10 m=11
